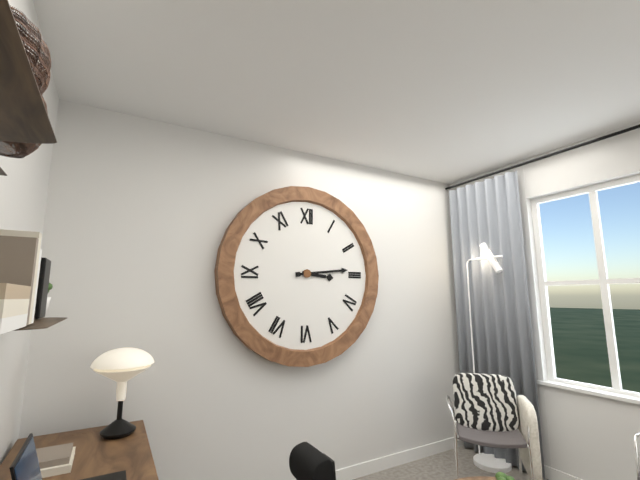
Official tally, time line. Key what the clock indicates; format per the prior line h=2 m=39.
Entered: h=3 m=14
